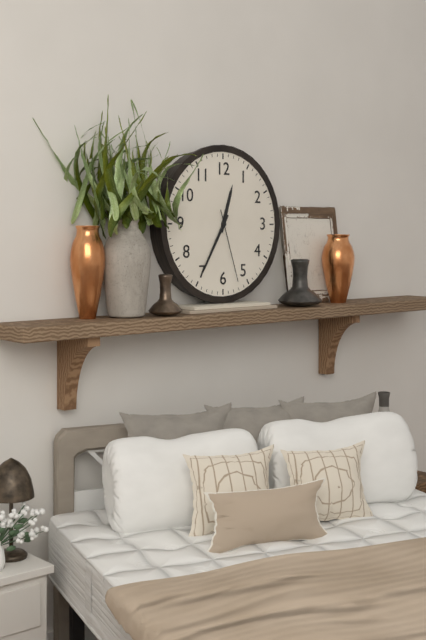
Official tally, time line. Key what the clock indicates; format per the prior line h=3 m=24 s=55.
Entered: h=12 m=35 s=27
